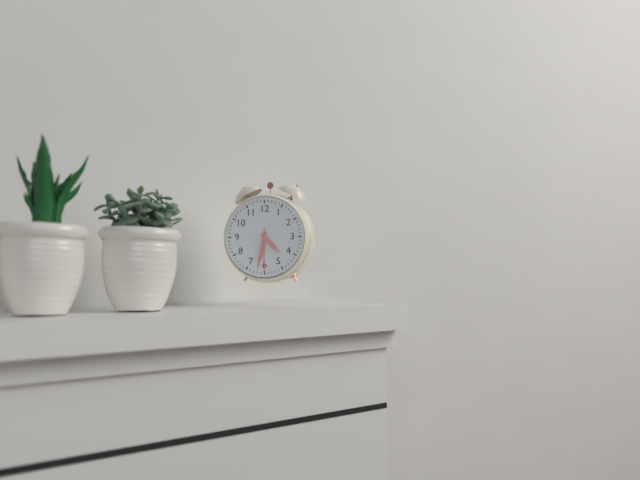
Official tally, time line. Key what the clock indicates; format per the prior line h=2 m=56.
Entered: h=4 m=32
